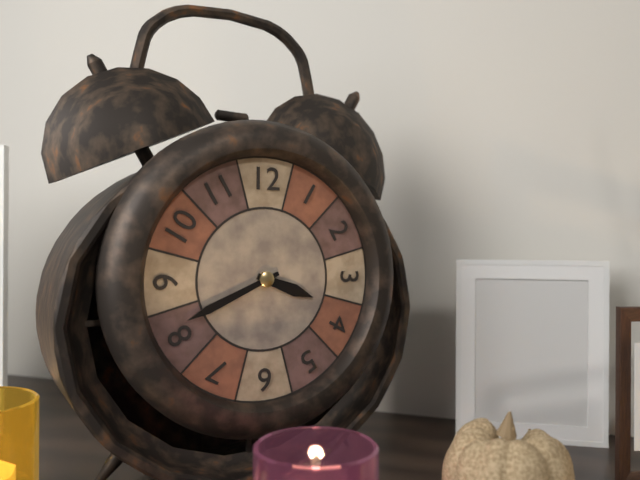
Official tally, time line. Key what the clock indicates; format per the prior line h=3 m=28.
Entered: h=3 m=41
